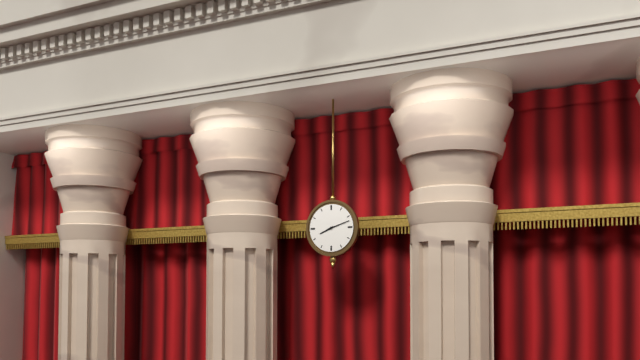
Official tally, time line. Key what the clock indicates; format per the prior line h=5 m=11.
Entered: h=8 m=12
